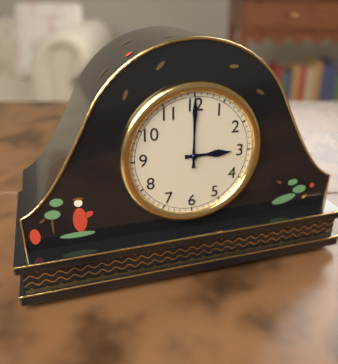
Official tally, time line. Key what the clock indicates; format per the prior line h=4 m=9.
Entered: h=3 m=0
